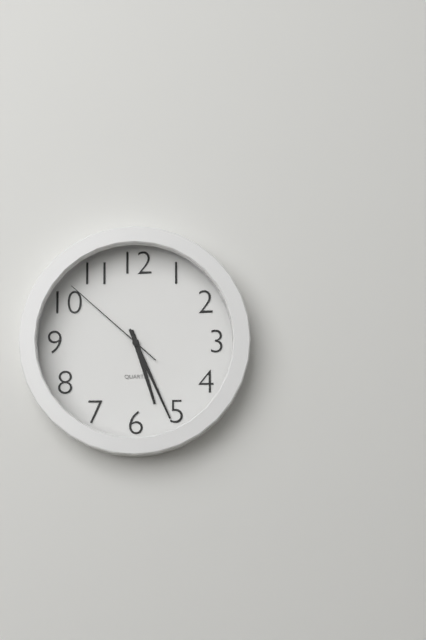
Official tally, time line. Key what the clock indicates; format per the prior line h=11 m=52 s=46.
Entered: h=5 m=26 s=52
